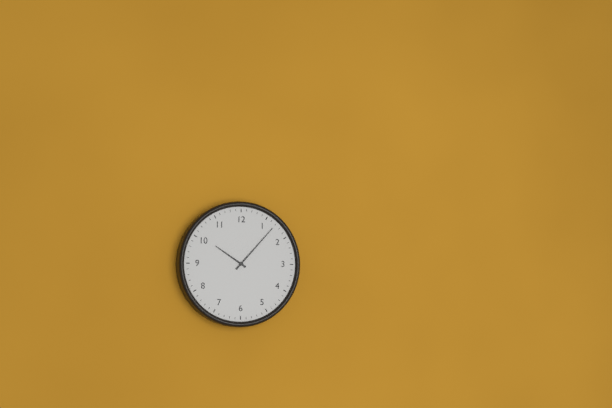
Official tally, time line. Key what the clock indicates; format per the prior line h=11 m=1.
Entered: h=10 m=7
